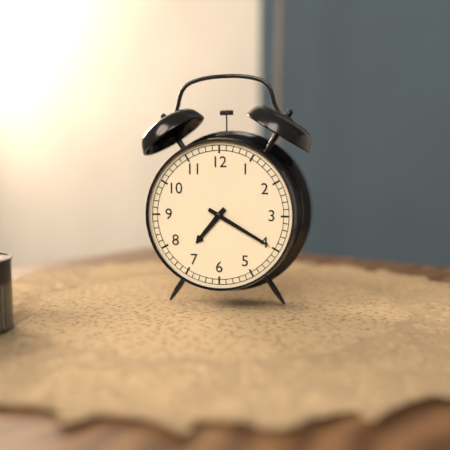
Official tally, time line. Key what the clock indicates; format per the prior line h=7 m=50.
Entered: h=7 m=20
